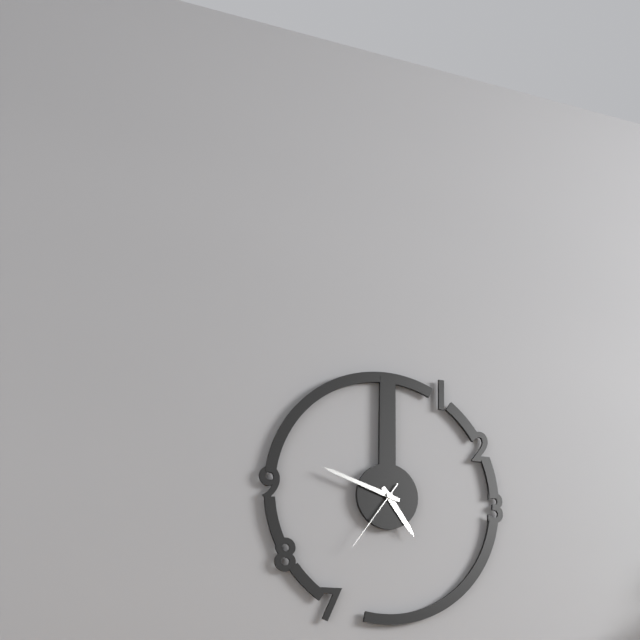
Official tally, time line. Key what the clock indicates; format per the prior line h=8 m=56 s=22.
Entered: h=4 m=48 s=36
